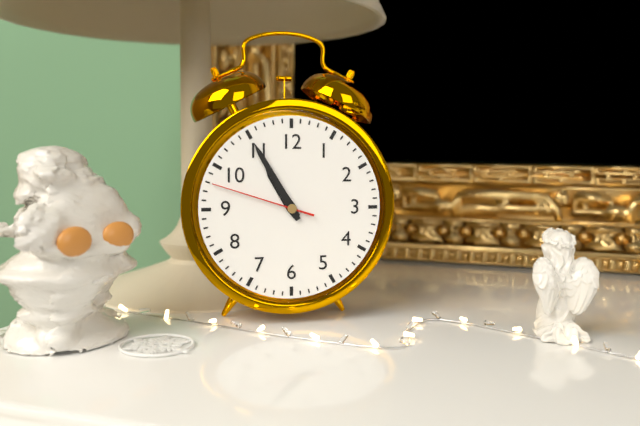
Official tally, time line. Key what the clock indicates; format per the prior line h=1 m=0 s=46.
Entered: h=10 m=55 s=48
